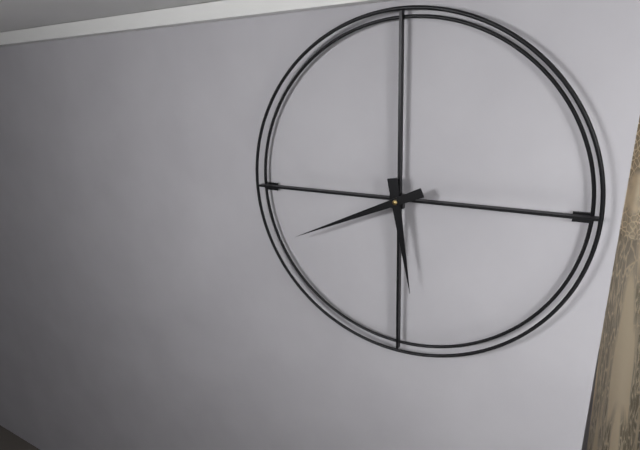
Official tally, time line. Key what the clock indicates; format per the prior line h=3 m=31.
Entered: h=5 m=41
